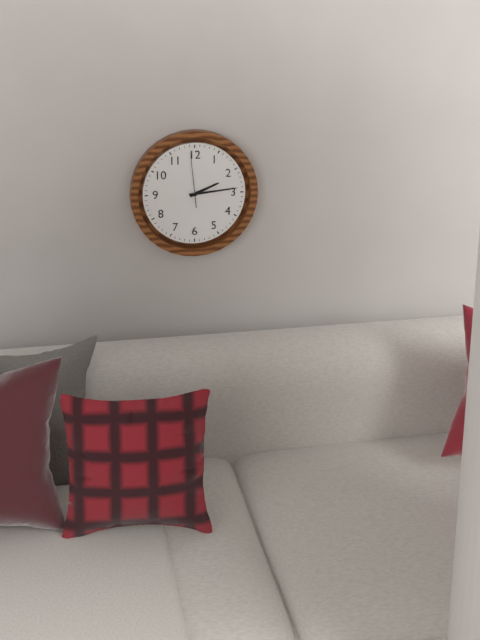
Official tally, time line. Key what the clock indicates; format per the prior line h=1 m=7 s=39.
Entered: h=2 m=14 s=59
